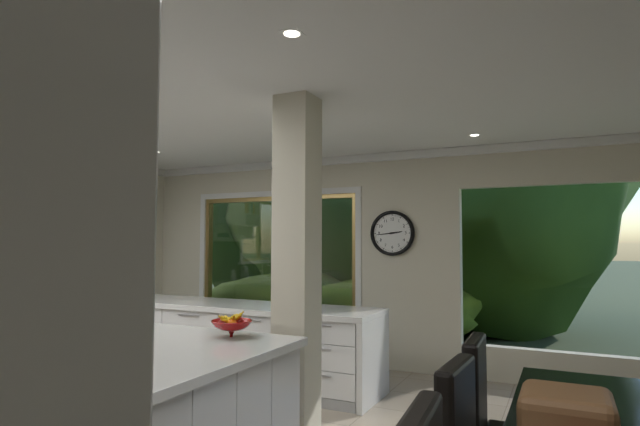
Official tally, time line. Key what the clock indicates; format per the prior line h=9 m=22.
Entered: h=2 m=44
